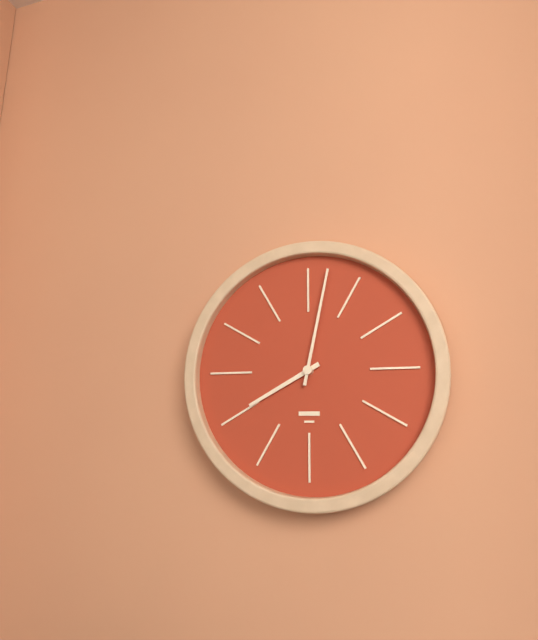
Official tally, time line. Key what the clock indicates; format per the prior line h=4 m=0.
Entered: h=8 m=2
